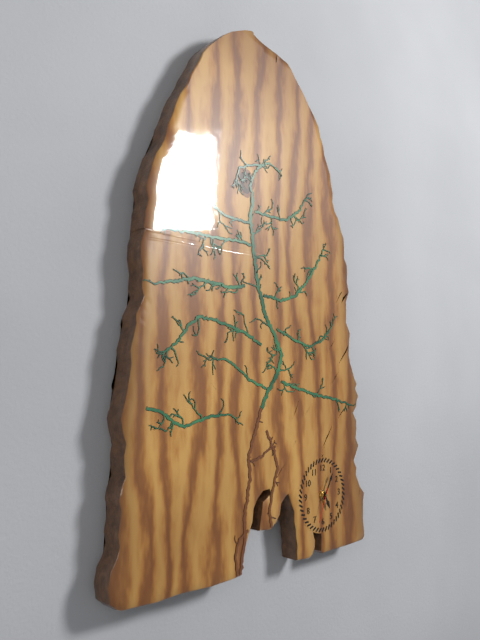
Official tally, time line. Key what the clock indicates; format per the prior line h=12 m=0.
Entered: h=5 m=5
